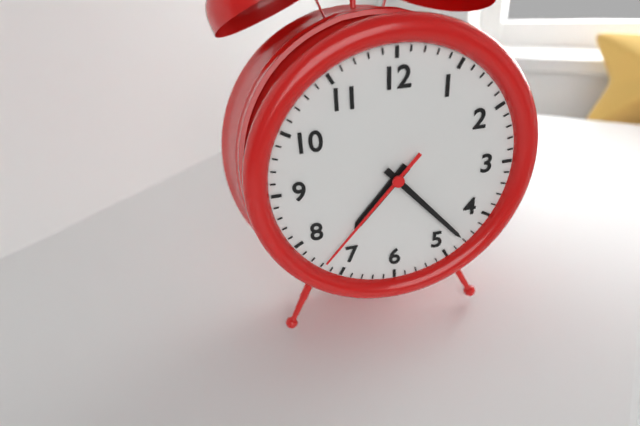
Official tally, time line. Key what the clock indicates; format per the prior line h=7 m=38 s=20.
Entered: h=7 m=23 s=37
